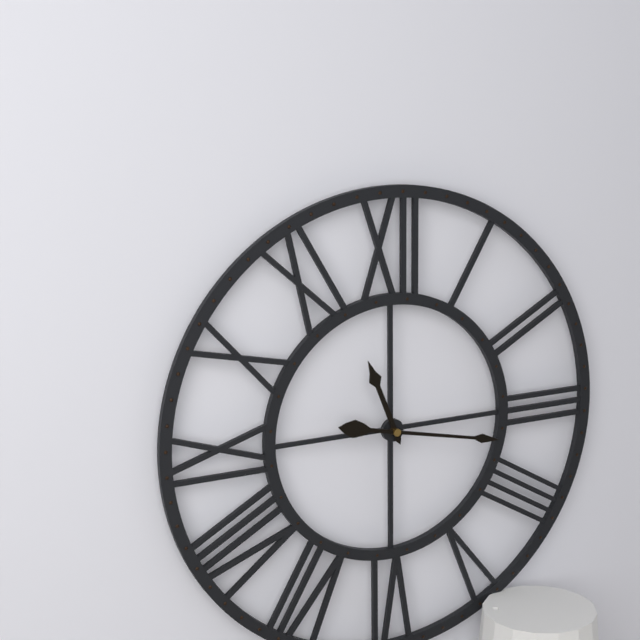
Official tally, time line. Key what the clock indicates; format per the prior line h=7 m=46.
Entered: h=11 m=17
